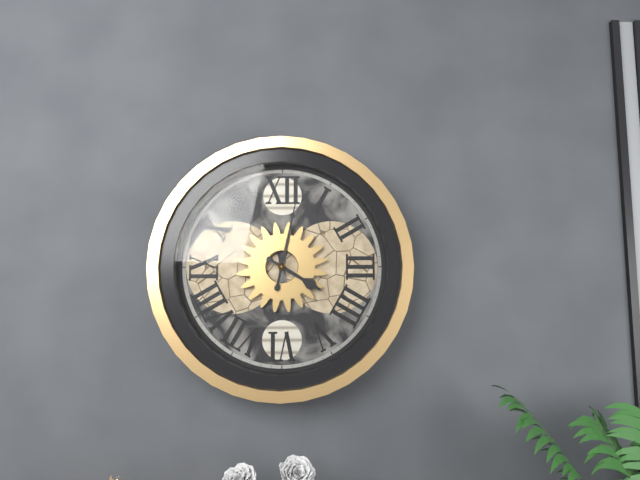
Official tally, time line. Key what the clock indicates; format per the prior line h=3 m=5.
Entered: h=4 m=2
